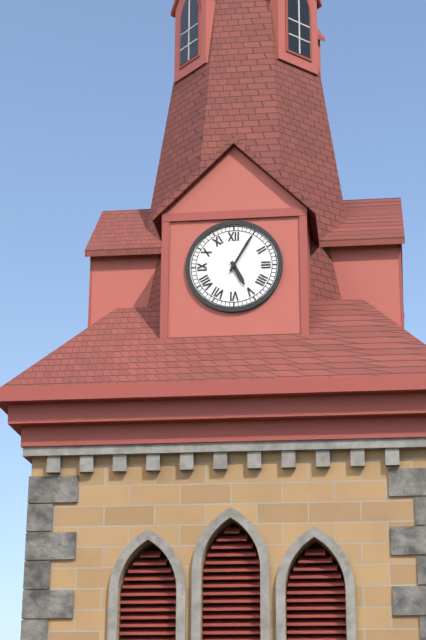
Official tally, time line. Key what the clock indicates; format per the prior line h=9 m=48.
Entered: h=5 m=5
